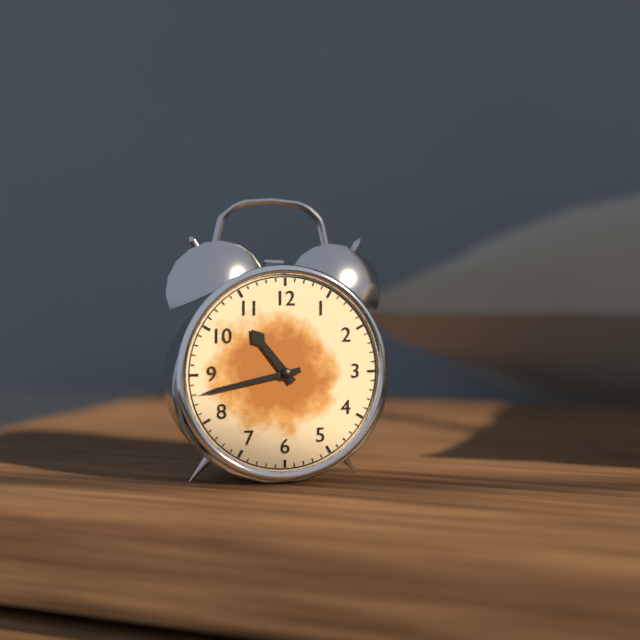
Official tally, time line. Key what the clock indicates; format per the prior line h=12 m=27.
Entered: h=10 m=43
